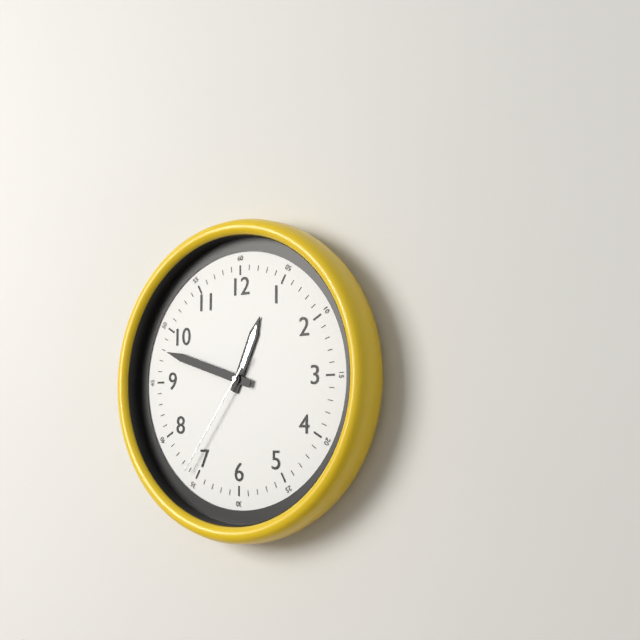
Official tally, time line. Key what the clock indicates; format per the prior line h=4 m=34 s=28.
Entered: h=12 m=48 s=36
